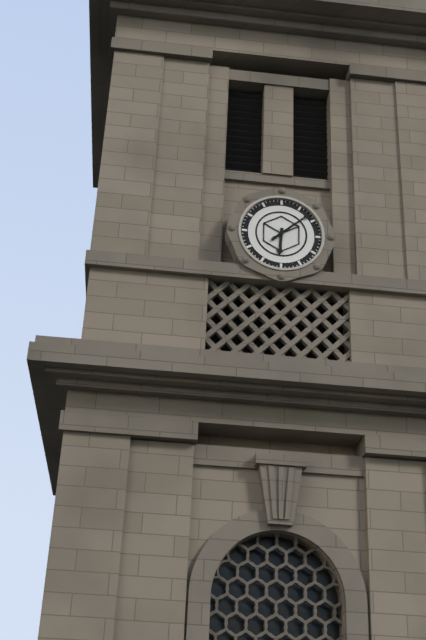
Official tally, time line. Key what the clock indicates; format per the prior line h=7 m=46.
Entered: h=6 m=8
